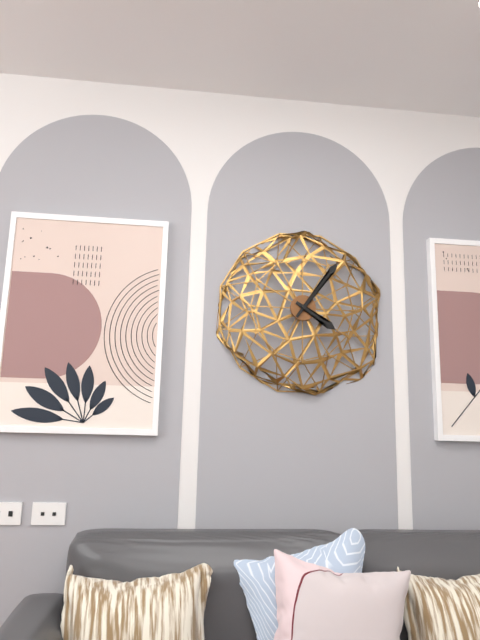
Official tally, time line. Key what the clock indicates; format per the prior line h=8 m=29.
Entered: h=4 m=6
